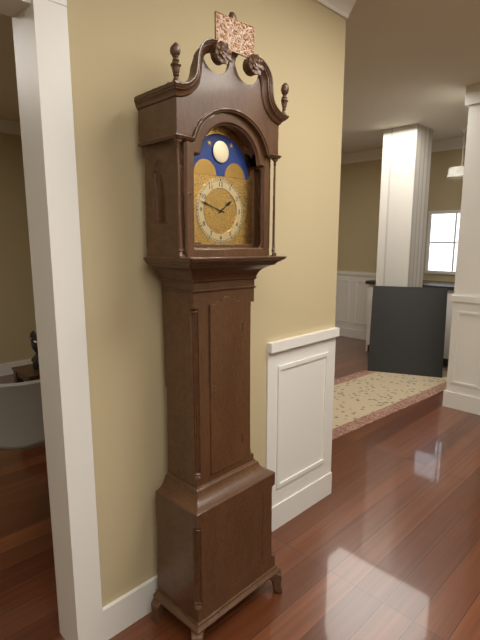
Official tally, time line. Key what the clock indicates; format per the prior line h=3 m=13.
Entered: h=1 m=48
